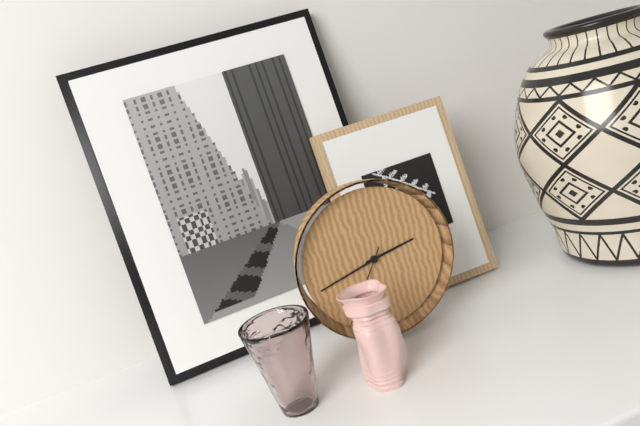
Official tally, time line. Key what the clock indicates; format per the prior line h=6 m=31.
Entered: h=2 m=43
